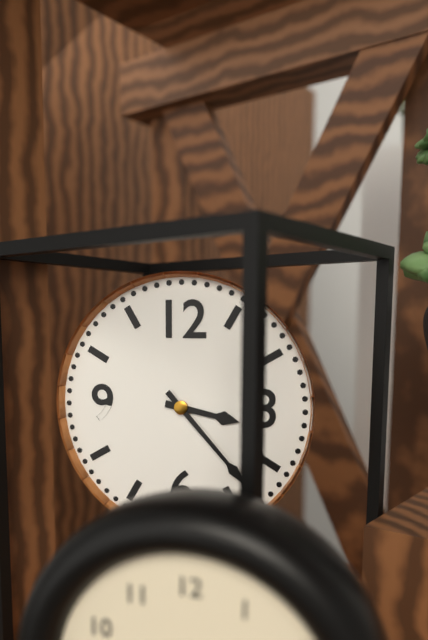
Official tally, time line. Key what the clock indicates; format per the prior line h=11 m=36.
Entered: h=3 m=23
